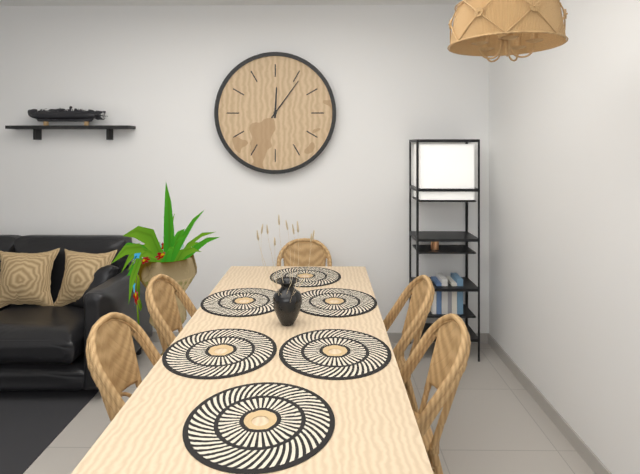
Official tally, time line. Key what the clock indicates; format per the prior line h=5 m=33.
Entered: h=12 m=6
